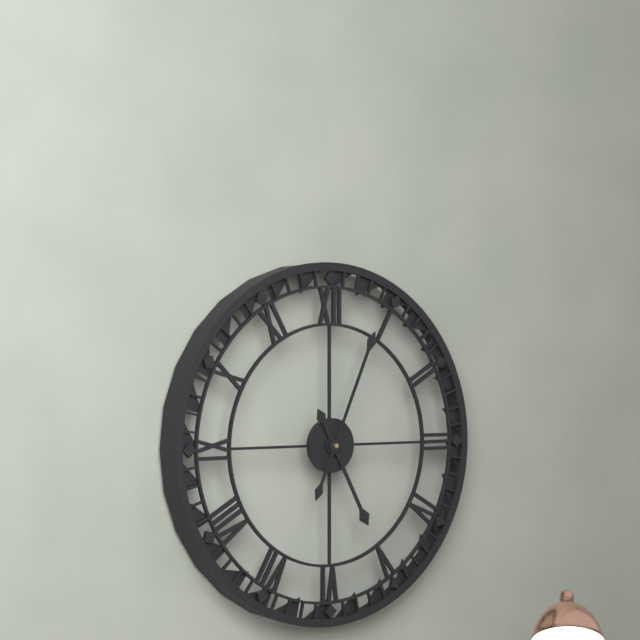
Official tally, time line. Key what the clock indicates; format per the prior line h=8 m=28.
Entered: h=5 m=4
